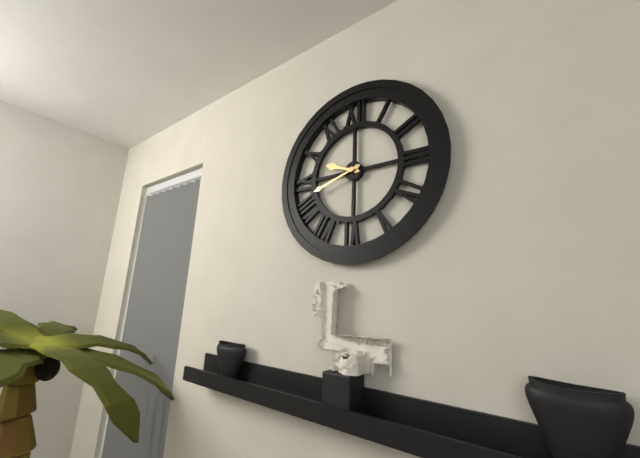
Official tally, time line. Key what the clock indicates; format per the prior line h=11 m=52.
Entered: h=9 m=42
